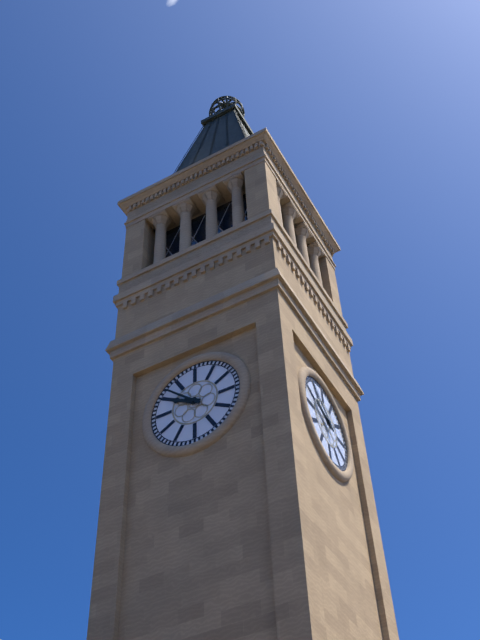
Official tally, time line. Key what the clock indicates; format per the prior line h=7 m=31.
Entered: h=9 m=52
